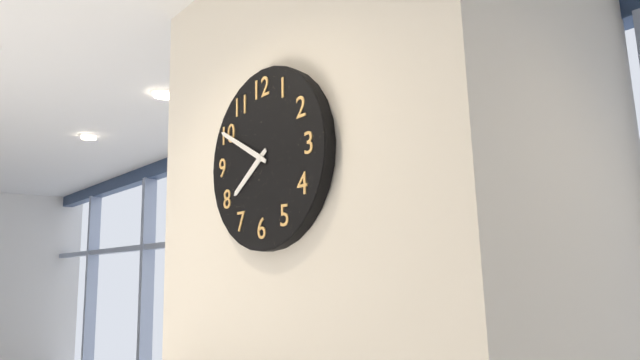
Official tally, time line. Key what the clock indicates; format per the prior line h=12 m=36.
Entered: h=7 m=50
